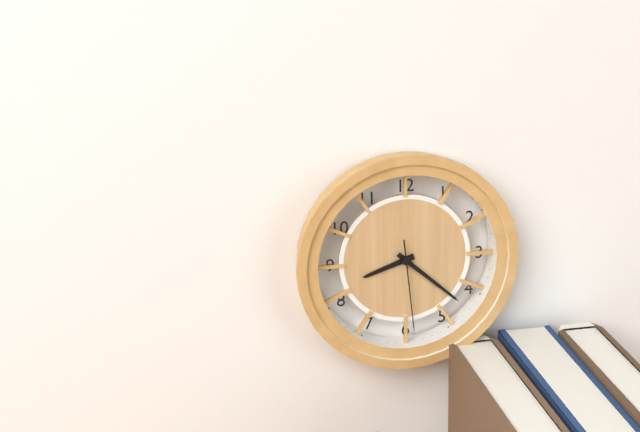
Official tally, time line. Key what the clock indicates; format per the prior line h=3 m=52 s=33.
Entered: h=8 m=22 s=29
